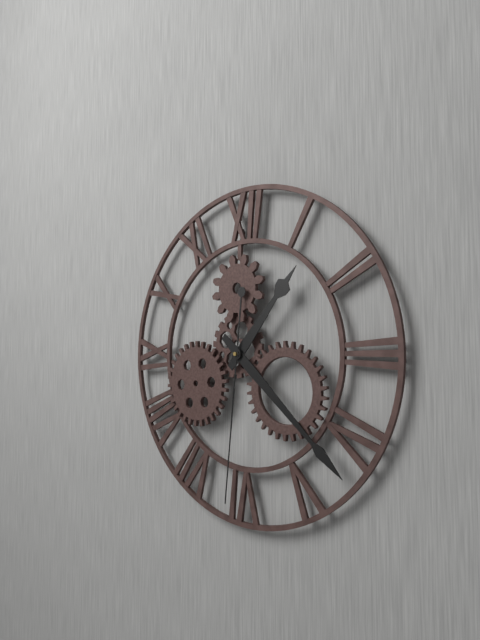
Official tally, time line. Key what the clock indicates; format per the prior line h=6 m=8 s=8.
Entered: h=1 m=22 s=31
